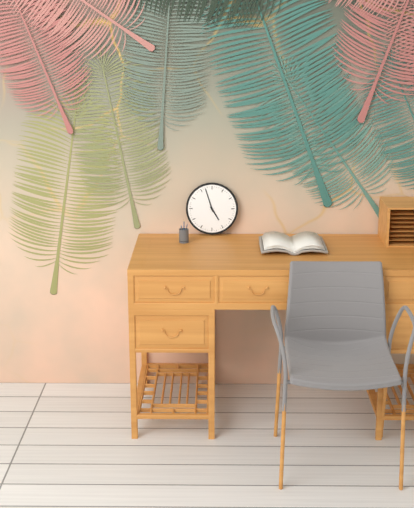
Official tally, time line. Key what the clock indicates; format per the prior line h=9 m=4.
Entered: h=4 m=57
